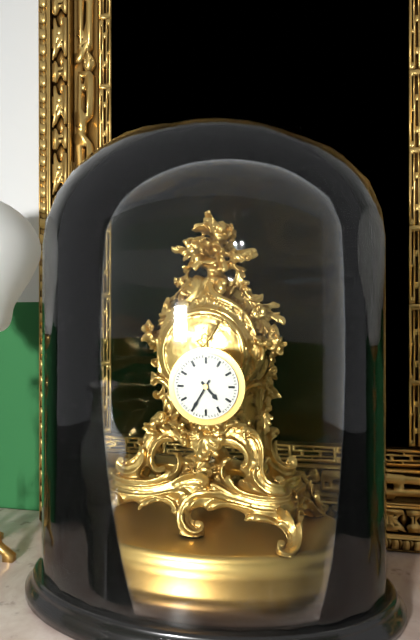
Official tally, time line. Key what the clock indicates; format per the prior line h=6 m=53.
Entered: h=4 m=35
